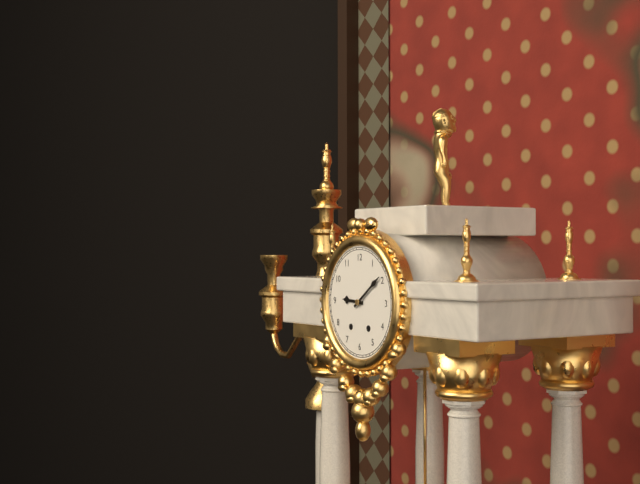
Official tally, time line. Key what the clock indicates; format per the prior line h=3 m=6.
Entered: h=9 m=9
